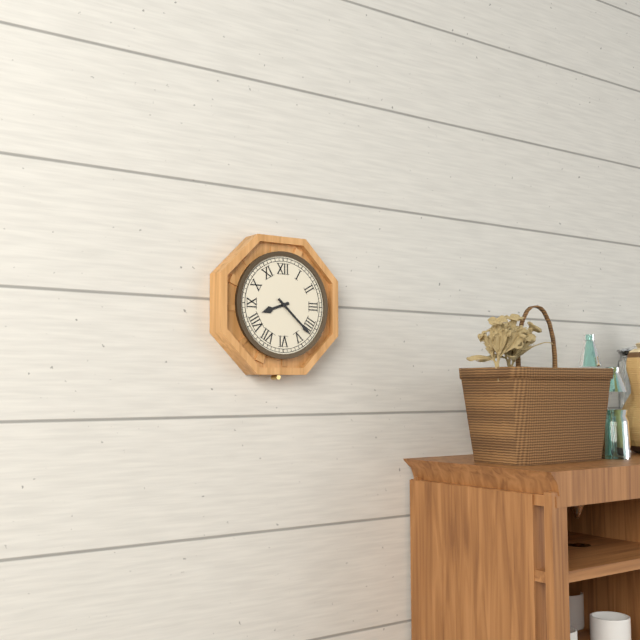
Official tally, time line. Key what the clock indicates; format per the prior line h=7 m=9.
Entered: h=8 m=22
